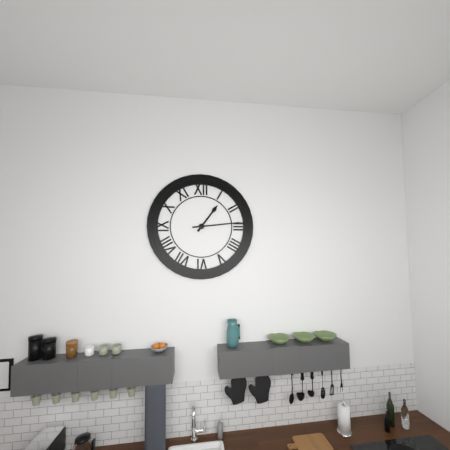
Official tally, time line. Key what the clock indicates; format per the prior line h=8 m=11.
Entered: h=1 m=14
